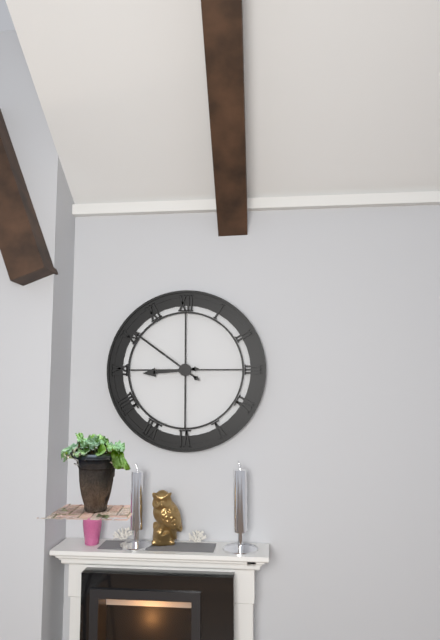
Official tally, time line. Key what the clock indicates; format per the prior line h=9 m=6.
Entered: h=8 m=51
